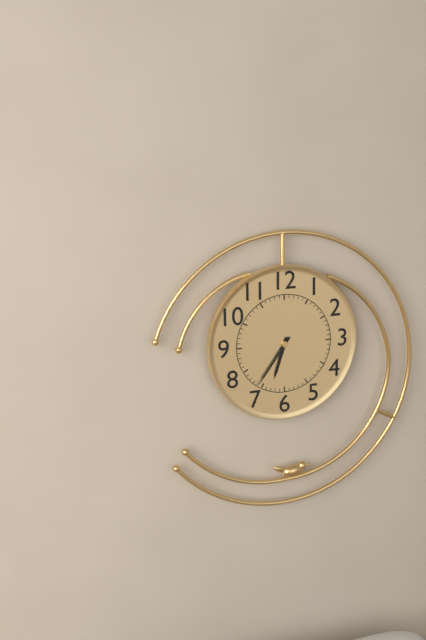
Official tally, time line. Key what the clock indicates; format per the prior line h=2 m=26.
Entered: h=6 m=36
